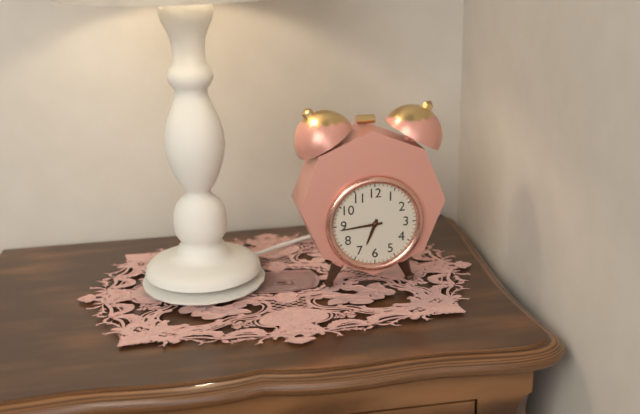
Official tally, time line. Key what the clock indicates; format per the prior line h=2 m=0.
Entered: h=6 m=44
